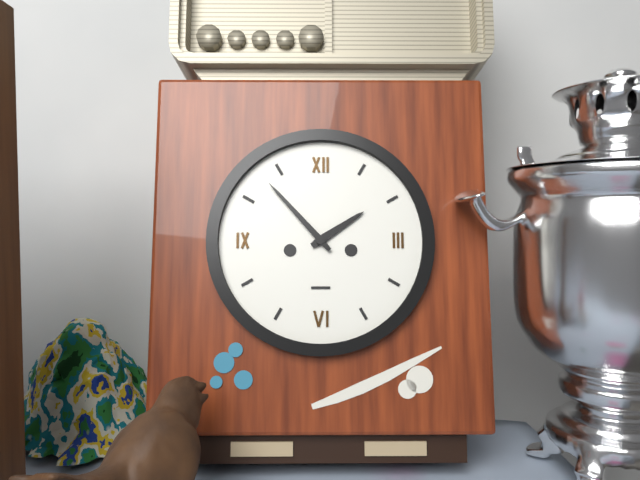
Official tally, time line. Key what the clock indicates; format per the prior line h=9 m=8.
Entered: h=1 m=53
